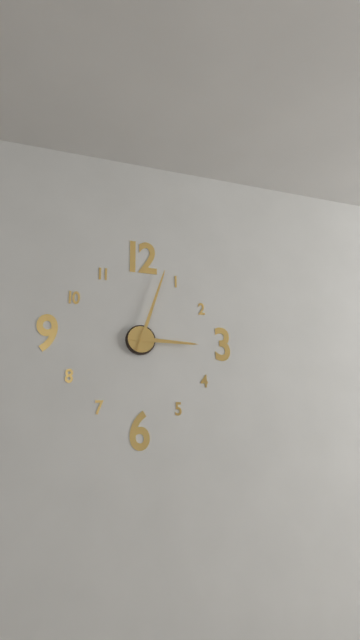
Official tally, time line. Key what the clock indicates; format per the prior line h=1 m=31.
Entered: h=3 m=3
